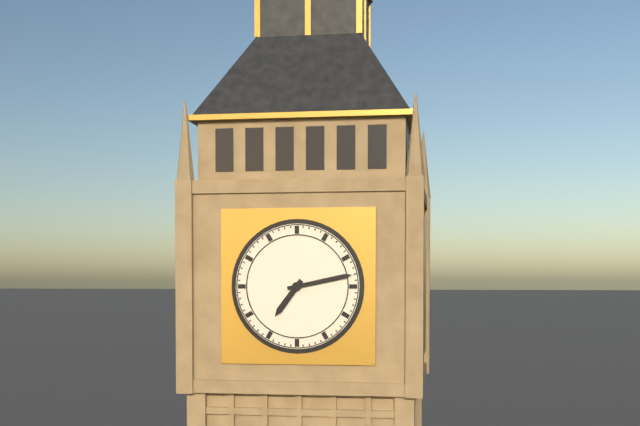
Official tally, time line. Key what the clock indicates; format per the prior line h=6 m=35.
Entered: h=7 m=13
